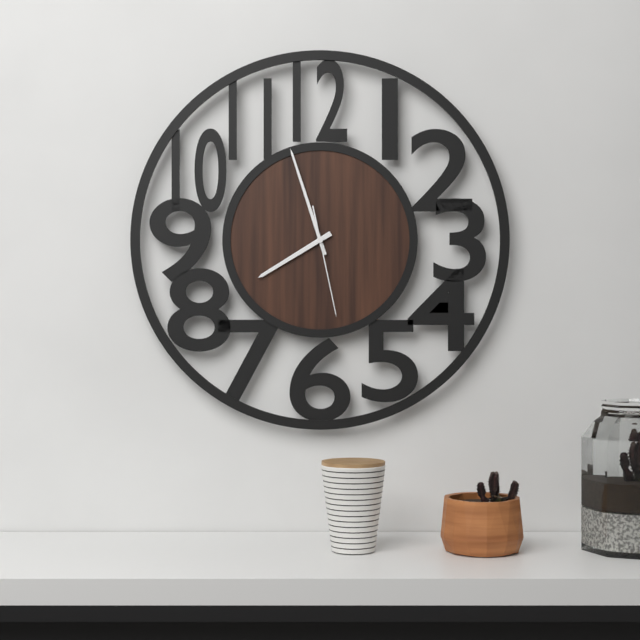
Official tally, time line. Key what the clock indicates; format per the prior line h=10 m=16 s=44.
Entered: h=7 m=57 s=28
